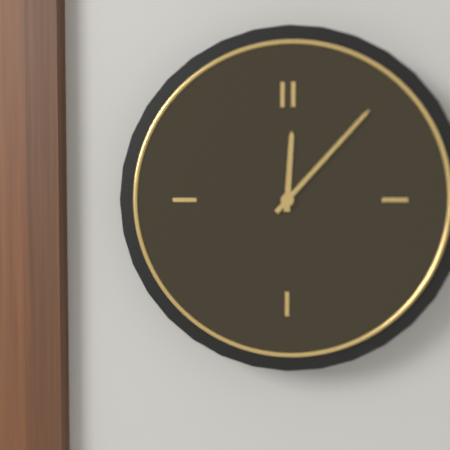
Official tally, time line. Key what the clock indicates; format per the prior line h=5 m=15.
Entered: h=12 m=7
